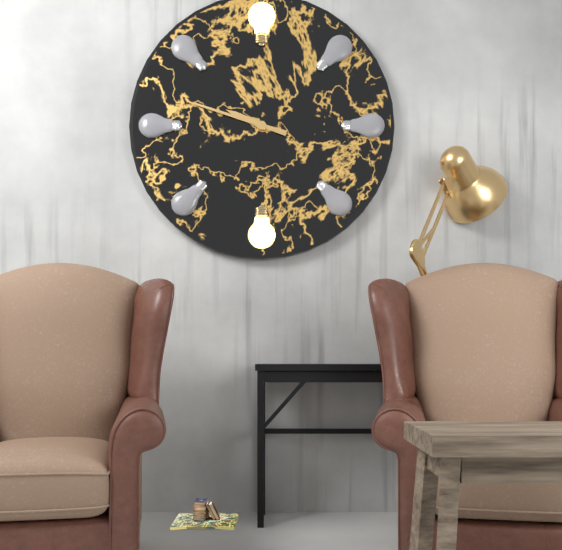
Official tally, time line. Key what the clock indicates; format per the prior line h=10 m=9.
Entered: h=9 m=48
